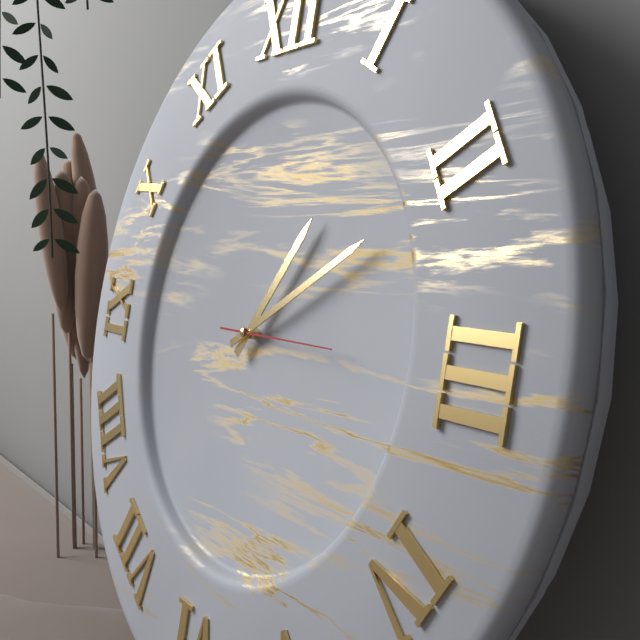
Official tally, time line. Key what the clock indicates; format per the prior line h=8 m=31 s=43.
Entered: h=1 m=10 s=15
